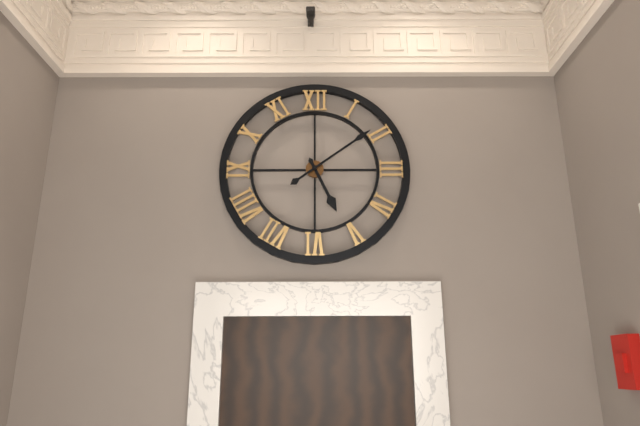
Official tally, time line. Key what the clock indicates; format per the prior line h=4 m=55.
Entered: h=5 m=9
